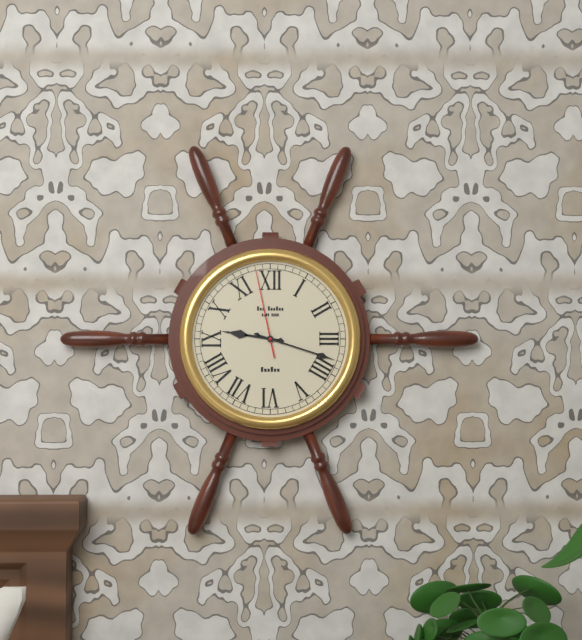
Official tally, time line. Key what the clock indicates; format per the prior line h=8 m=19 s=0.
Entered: h=9 m=18 s=58
